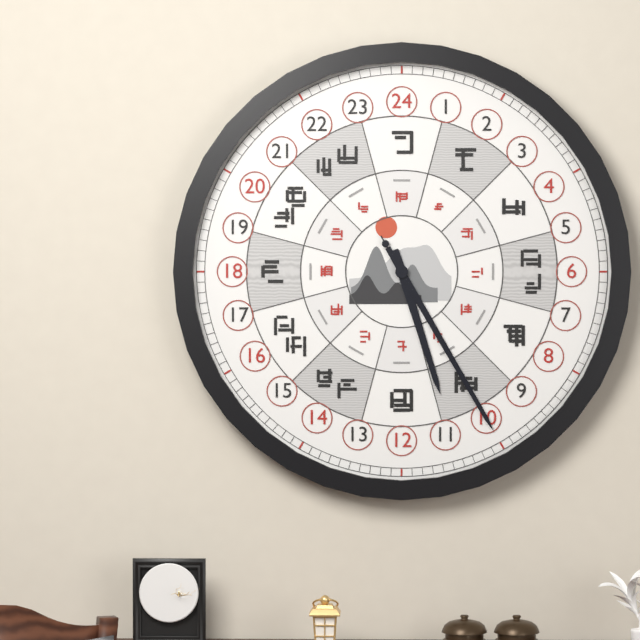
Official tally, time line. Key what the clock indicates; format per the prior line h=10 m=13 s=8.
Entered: h=5 m=25 s=25
